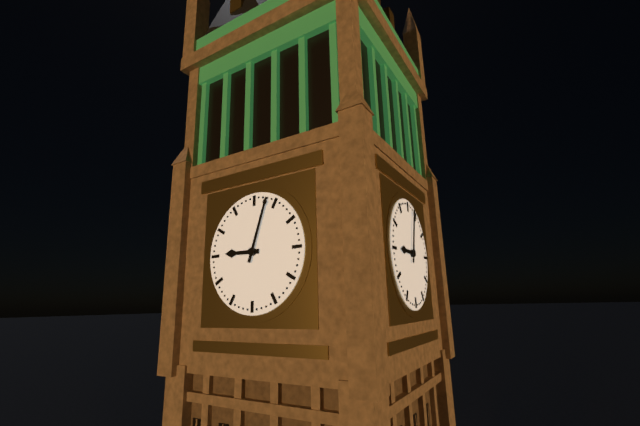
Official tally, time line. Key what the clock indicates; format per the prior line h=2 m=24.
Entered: h=9 m=3
